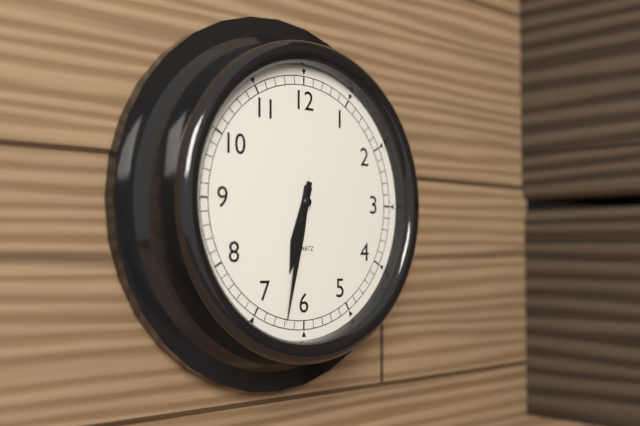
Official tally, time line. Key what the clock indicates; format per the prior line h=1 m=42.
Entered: h=6 m=32
